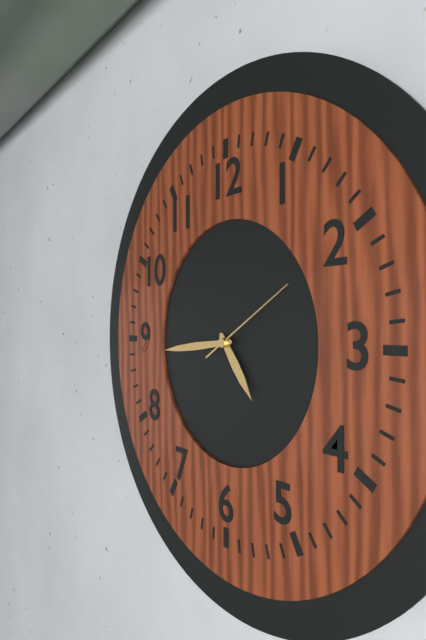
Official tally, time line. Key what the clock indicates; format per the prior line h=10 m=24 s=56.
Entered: h=4 m=44 s=10
